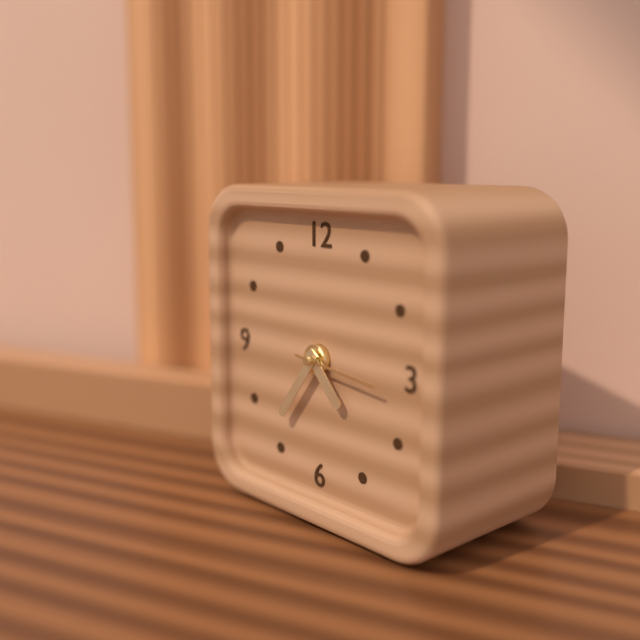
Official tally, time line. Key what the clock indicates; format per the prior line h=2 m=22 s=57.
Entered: h=4 m=36 s=16
